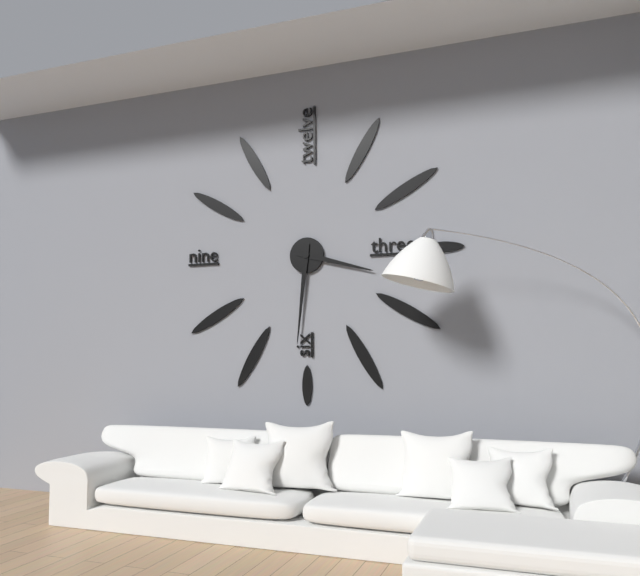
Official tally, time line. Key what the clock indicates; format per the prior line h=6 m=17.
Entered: h=3 m=31
